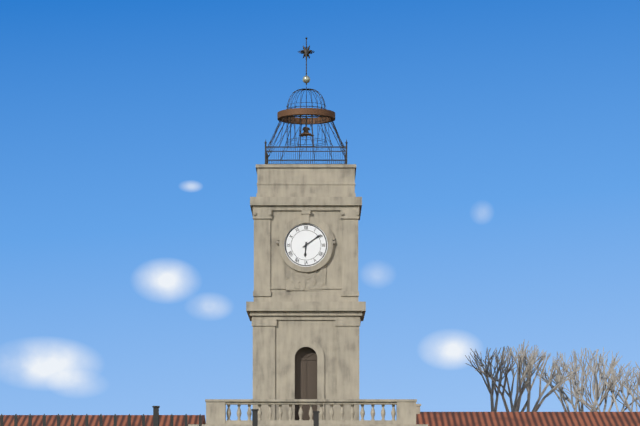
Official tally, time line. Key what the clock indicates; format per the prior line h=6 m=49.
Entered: h=6 m=9
